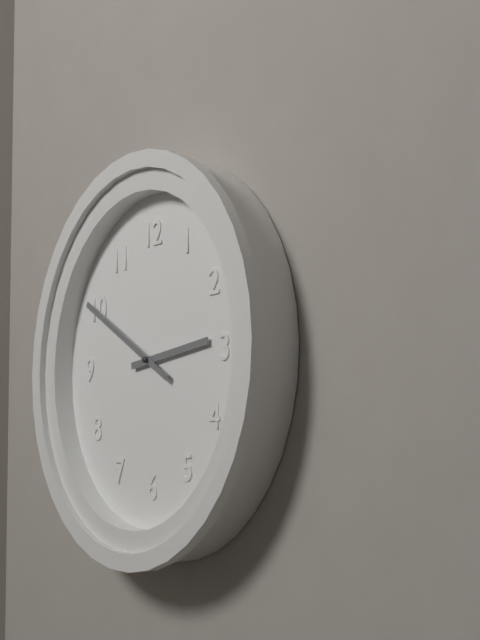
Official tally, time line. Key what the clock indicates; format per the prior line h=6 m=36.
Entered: h=2 m=50
